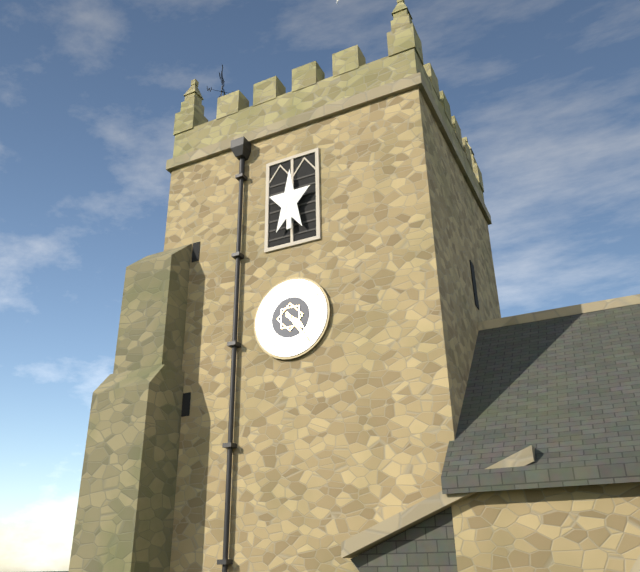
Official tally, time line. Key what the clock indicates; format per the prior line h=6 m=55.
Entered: h=4 m=24
